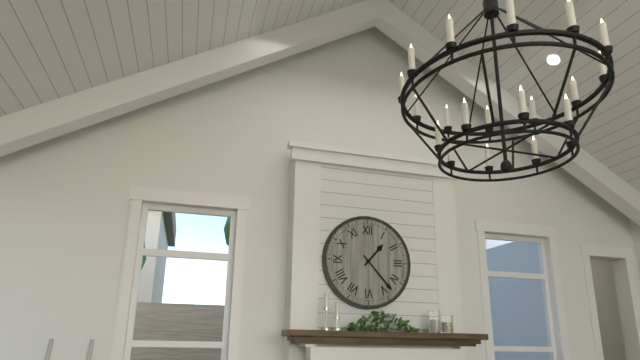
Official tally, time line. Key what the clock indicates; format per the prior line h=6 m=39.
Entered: h=1 m=23
